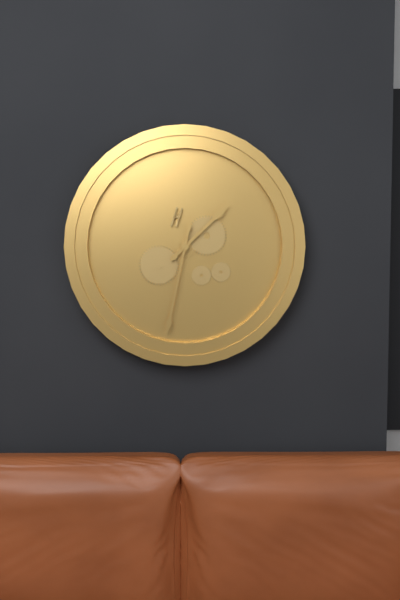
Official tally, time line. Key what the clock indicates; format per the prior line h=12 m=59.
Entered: h=1 m=32
